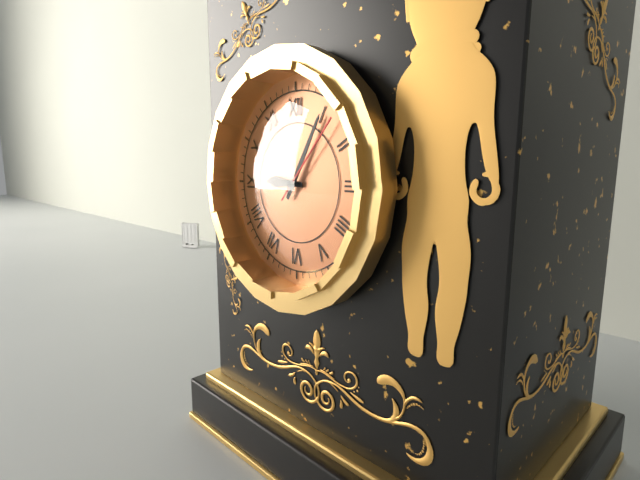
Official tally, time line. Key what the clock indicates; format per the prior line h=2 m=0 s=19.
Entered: h=9 m=5 s=7
